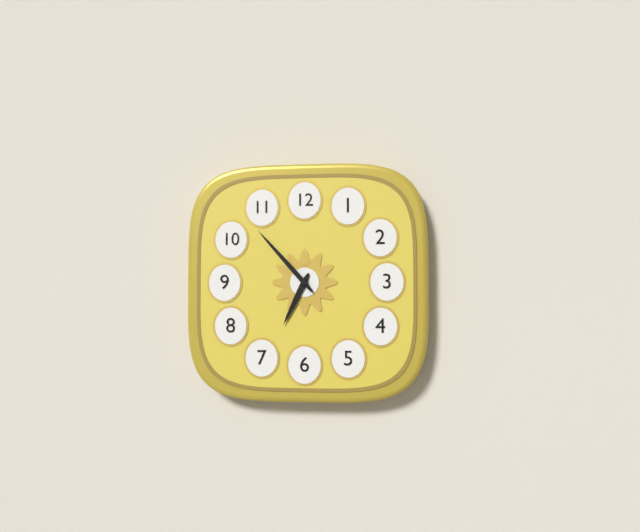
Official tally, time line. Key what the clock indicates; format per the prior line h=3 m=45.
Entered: h=6 m=53
